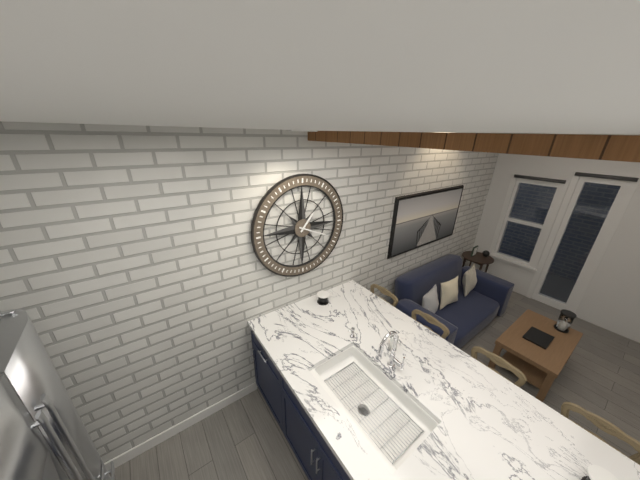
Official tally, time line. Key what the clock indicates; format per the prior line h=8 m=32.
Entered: h=1 m=19
